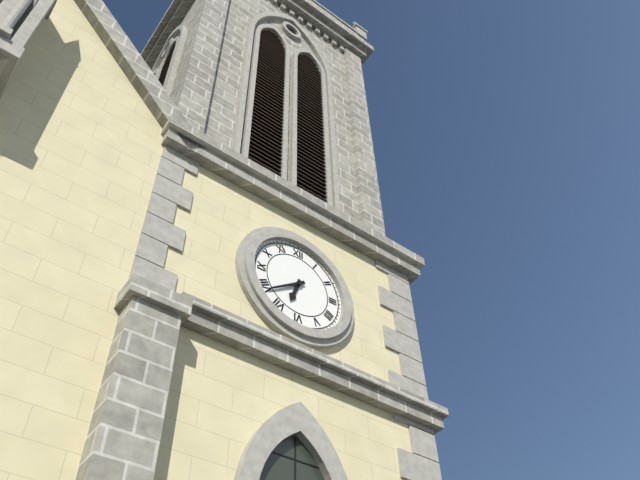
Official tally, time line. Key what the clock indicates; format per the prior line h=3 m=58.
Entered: h=6 m=39
